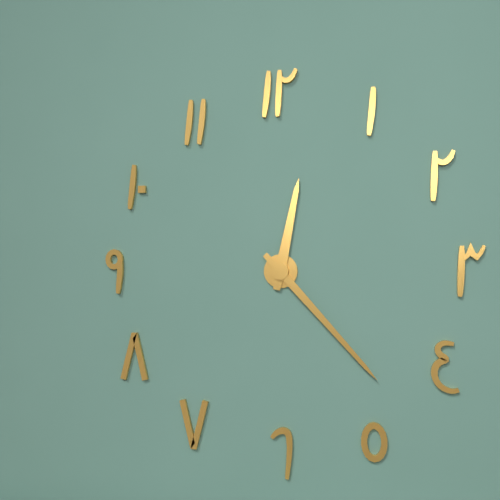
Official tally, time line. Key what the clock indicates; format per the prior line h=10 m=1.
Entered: h=12 m=23
